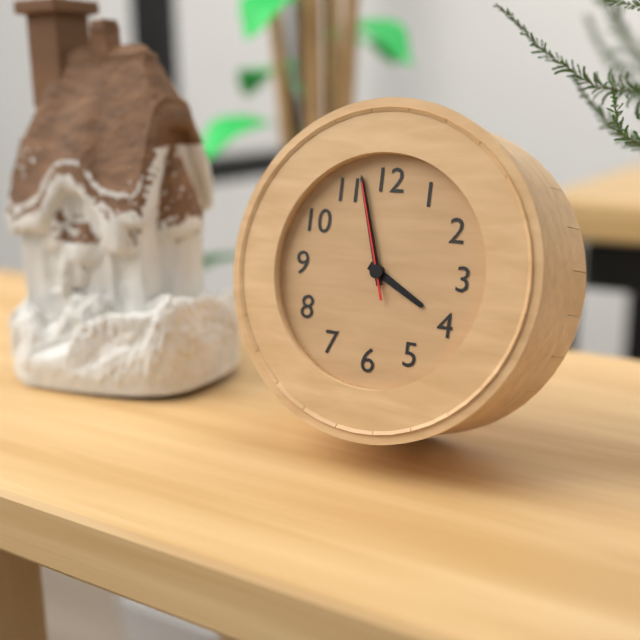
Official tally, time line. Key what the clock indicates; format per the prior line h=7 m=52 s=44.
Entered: h=3 m=57 s=57
